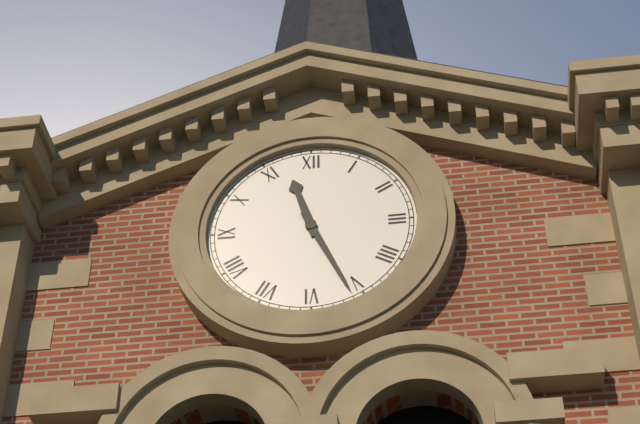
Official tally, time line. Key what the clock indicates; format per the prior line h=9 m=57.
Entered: h=11 m=26
